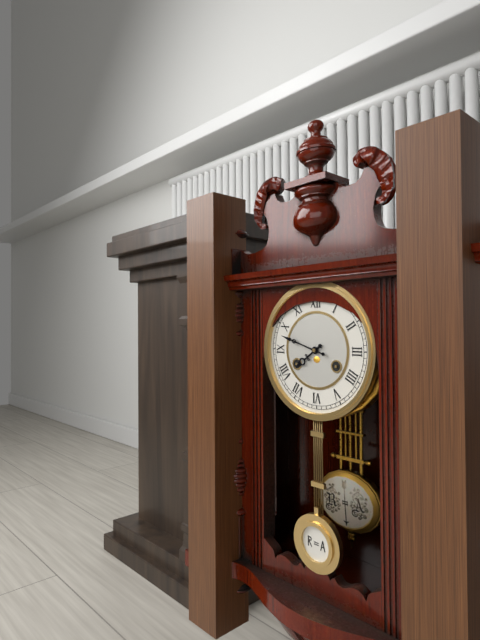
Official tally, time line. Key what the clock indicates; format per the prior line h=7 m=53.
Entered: h=7 m=48
